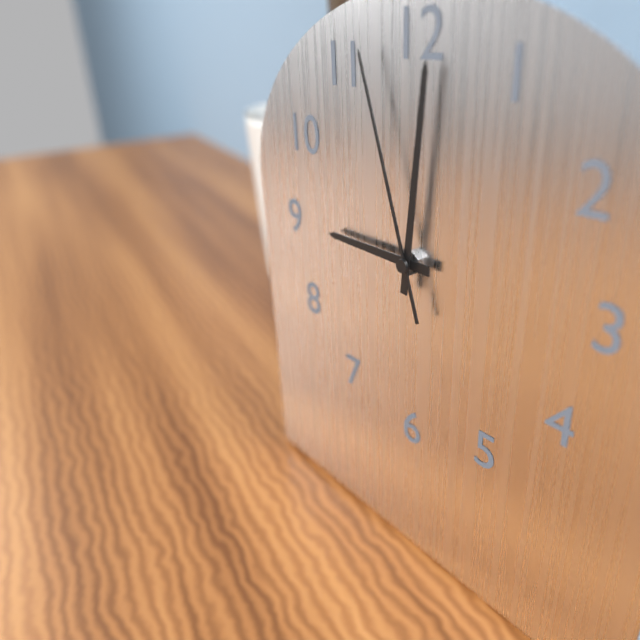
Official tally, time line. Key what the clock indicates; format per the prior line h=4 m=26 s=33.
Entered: h=9 m=1 s=57
